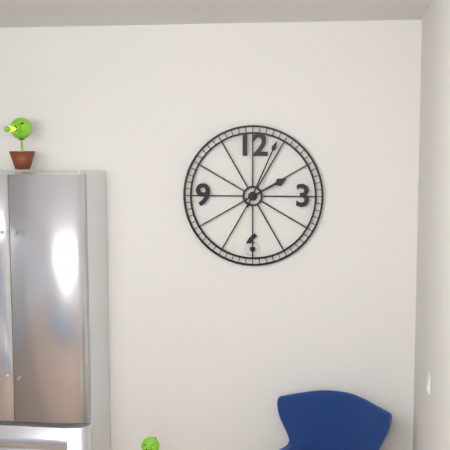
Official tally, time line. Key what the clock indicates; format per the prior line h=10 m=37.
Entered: h=2 m=4
